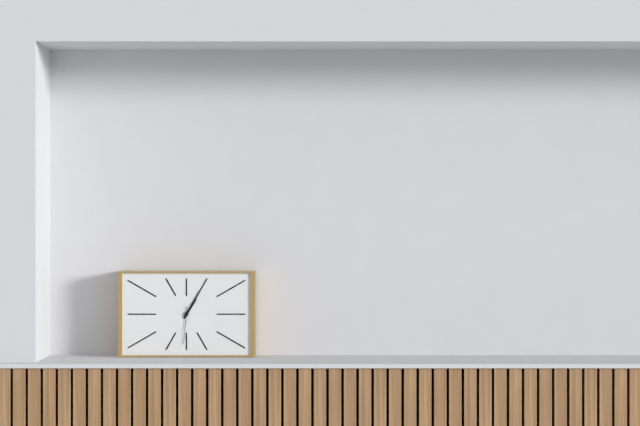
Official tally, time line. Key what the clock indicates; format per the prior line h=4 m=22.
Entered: h=1 m=5
